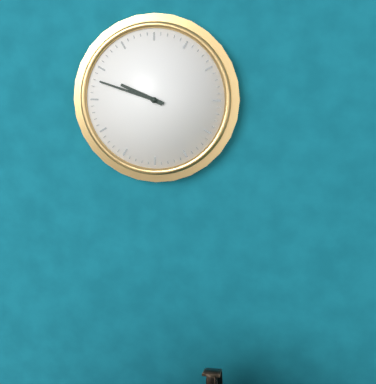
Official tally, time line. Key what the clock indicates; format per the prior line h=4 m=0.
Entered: h=9 m=48
